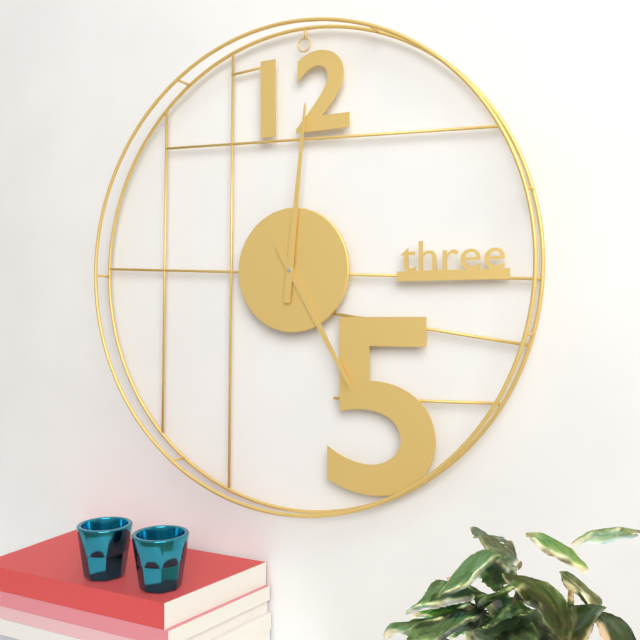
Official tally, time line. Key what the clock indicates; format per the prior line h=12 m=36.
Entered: h=5 m=1
